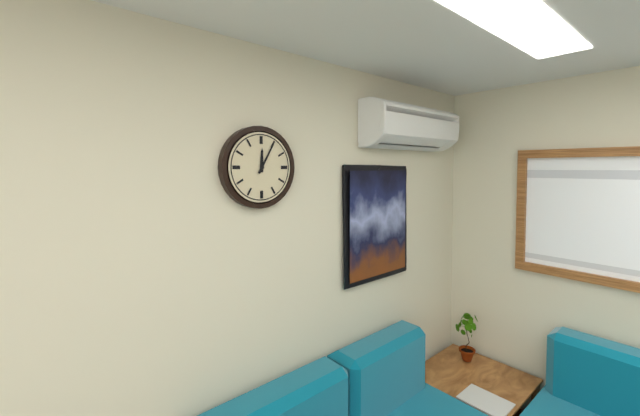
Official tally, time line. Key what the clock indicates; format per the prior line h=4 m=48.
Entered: h=12 m=5
